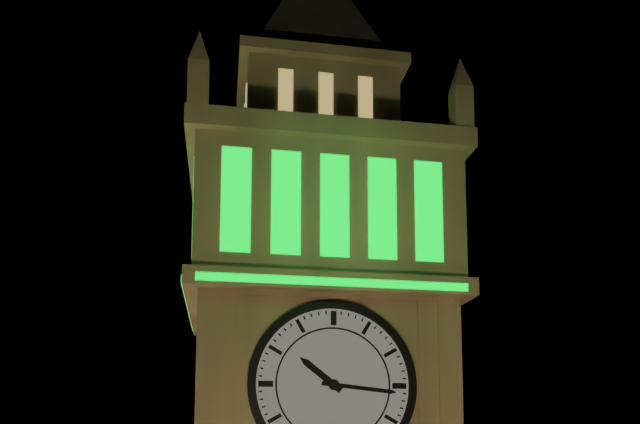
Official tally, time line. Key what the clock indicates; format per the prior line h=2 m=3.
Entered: h=10 m=16
